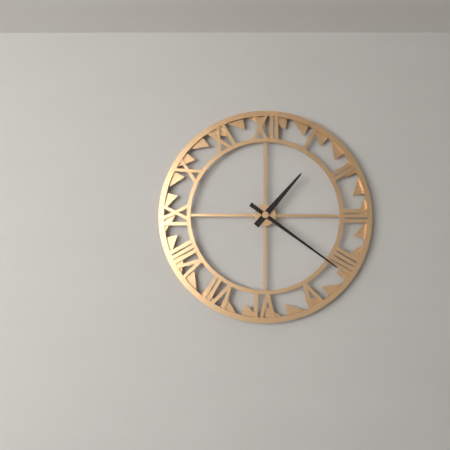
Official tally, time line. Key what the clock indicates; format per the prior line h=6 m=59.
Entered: h=1 m=21
